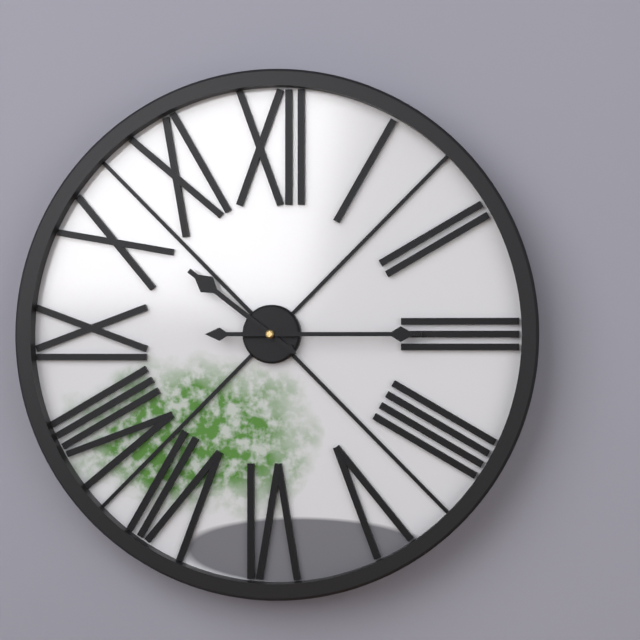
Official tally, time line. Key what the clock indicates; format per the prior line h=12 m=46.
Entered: h=10 m=15
